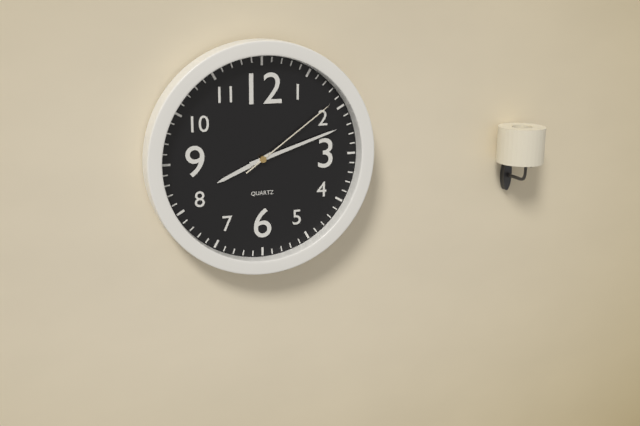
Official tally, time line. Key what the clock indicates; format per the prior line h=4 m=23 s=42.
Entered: h=8 m=12 s=9
